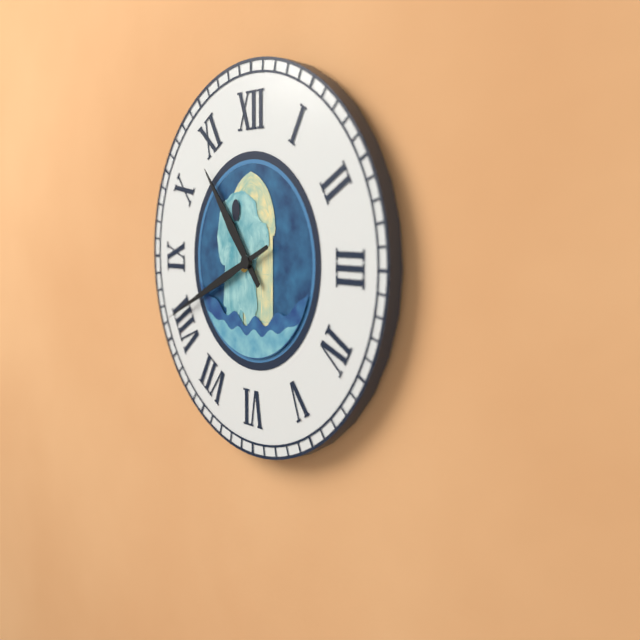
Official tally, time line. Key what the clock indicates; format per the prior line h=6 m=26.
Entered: h=10 m=41
